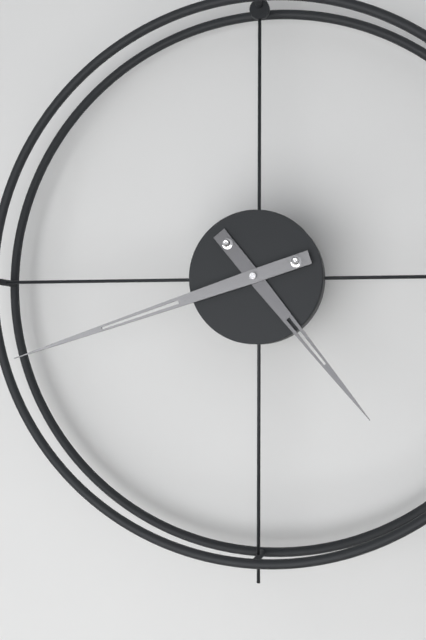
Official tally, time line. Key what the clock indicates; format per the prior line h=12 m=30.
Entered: h=4 m=42
